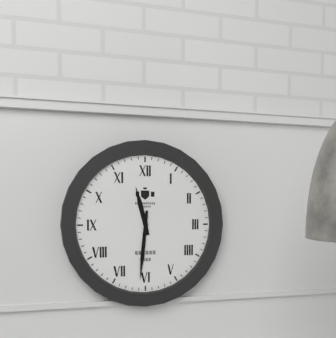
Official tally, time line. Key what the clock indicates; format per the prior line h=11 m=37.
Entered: h=11 m=31
